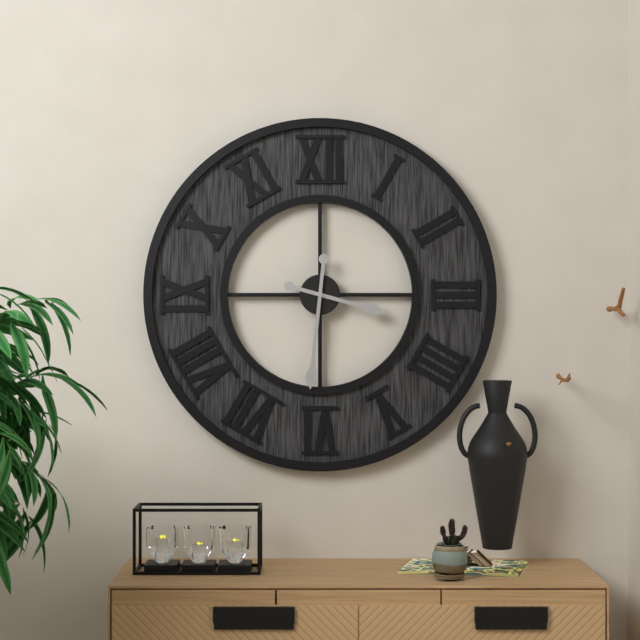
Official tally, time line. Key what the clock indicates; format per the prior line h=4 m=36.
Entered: h=3 m=31
